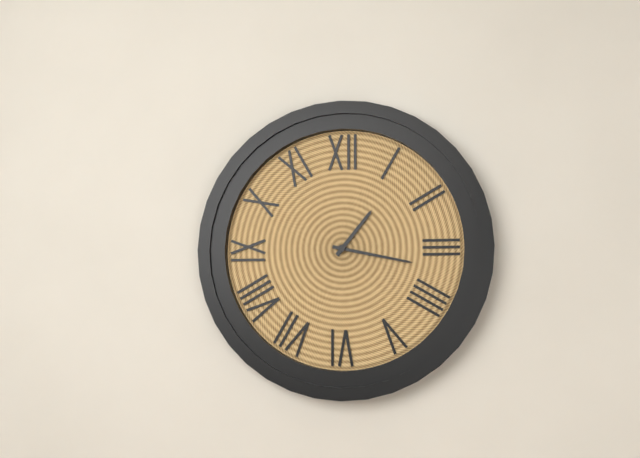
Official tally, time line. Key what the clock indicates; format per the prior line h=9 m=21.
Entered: h=1 m=17
